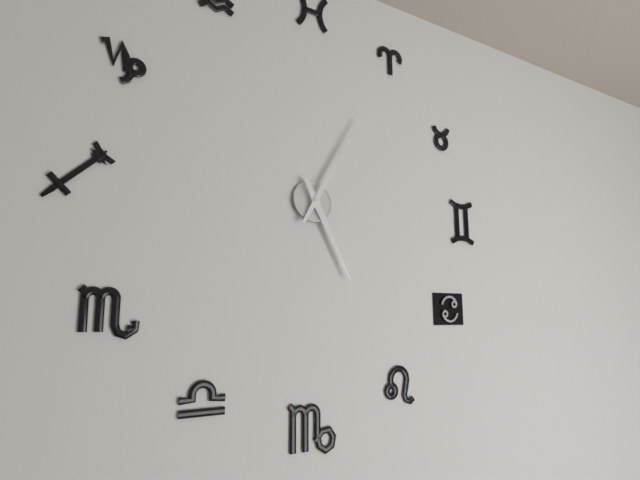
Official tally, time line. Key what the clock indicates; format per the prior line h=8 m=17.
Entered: h=5 m=5
